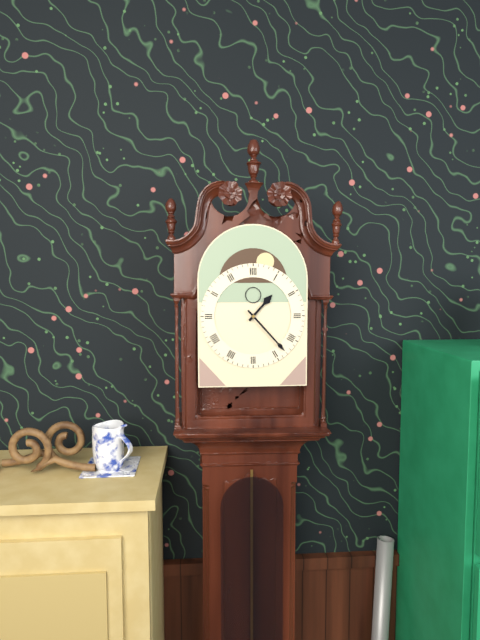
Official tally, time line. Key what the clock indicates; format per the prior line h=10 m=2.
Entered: h=1 m=23
